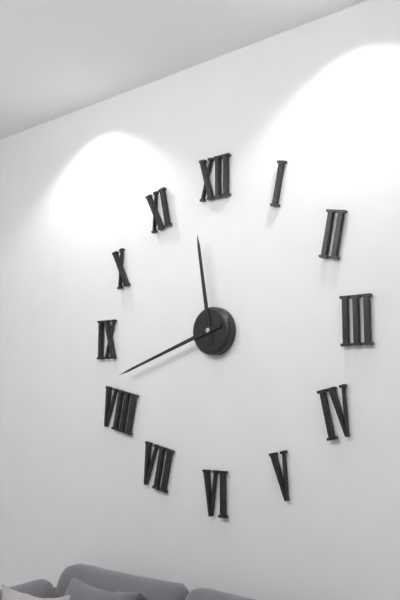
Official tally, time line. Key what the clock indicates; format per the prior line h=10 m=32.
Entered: h=11 m=42
